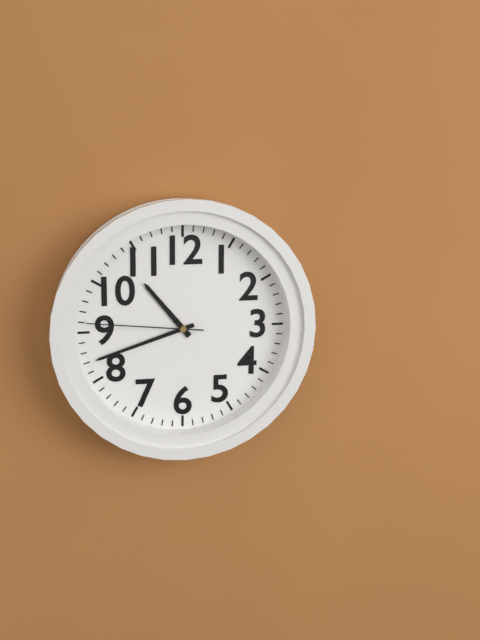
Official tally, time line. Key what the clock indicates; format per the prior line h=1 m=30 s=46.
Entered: h=10 m=42 s=46
